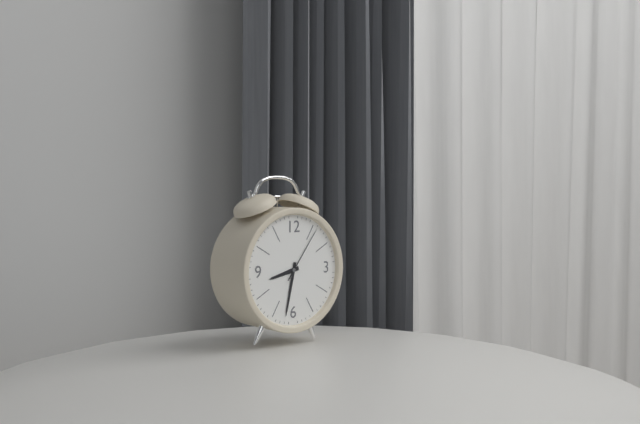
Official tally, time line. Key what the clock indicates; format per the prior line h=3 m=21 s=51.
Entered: h=8 m=32 s=6
